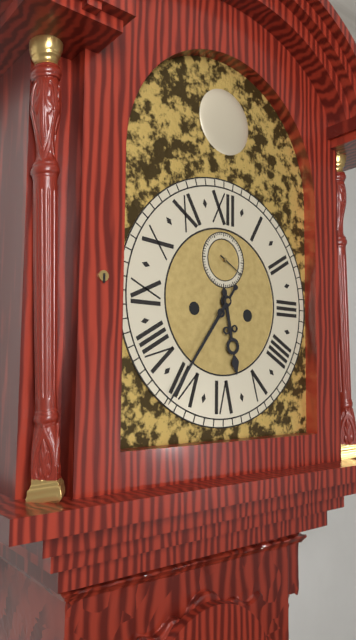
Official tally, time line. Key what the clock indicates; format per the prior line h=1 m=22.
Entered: h=5 m=36
